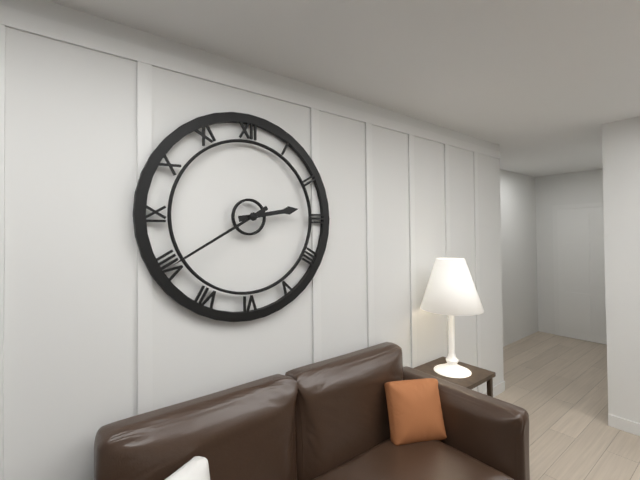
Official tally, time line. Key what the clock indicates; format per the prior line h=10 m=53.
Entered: h=2 m=40
